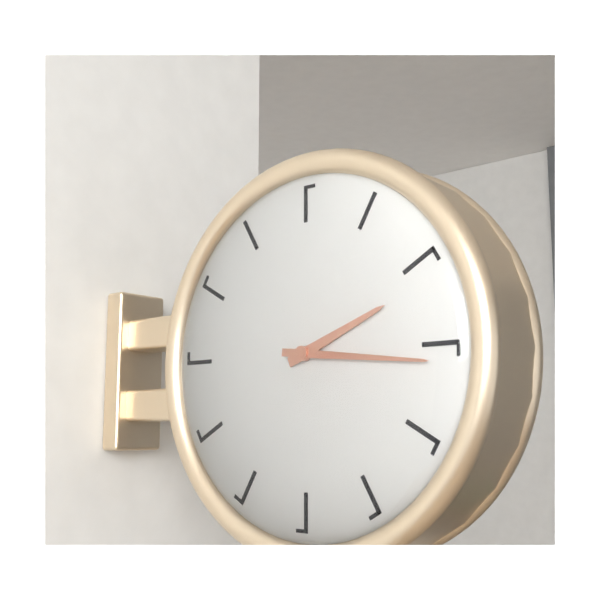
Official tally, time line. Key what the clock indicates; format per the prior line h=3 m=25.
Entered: h=2 m=16
